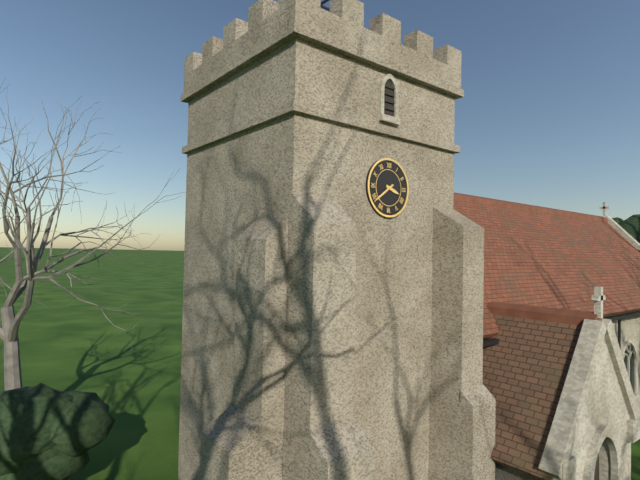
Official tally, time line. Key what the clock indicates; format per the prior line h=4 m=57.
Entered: h=3 m=39
